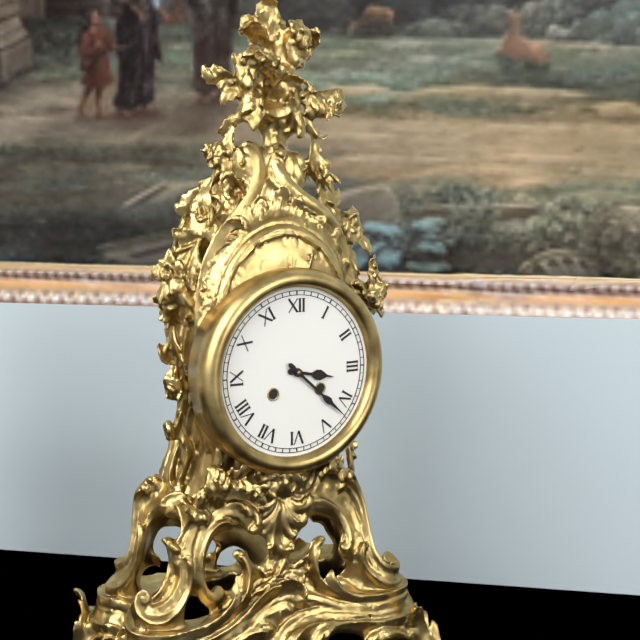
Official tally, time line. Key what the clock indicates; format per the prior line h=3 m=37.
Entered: h=3 m=22
